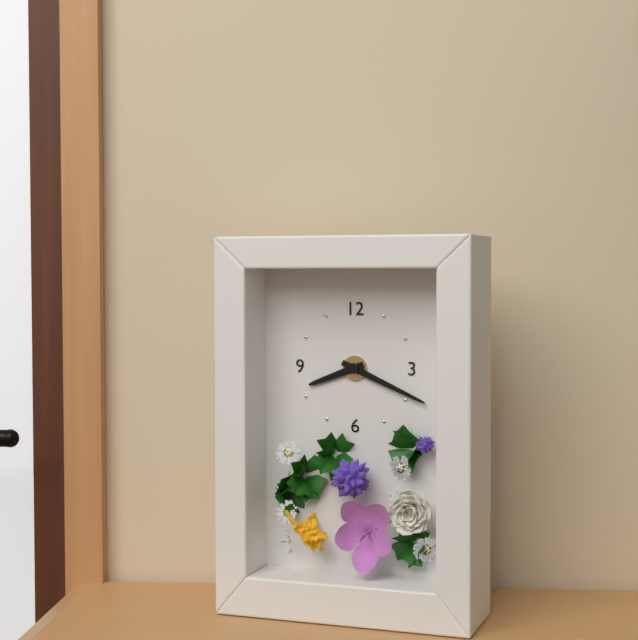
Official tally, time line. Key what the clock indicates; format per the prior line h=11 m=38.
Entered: h=8 m=19
